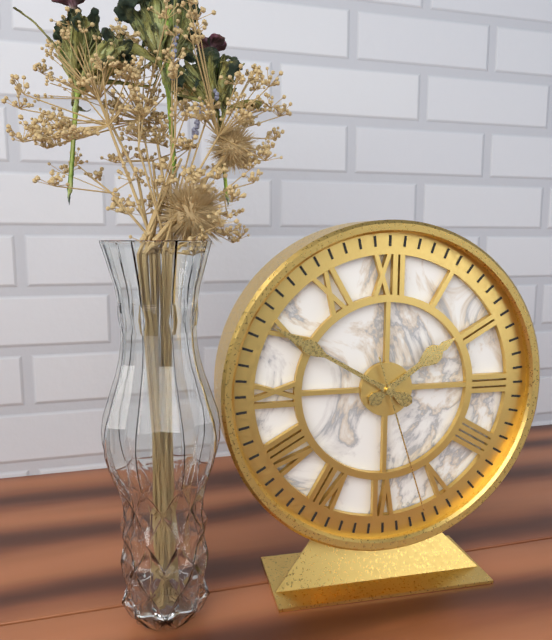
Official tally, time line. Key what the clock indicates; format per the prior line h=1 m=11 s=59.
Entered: h=1 m=50 s=27
